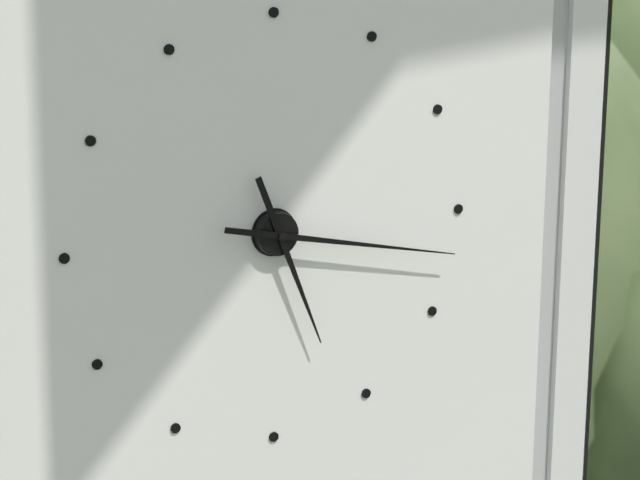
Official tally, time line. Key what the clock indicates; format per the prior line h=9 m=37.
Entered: h=5 m=17
